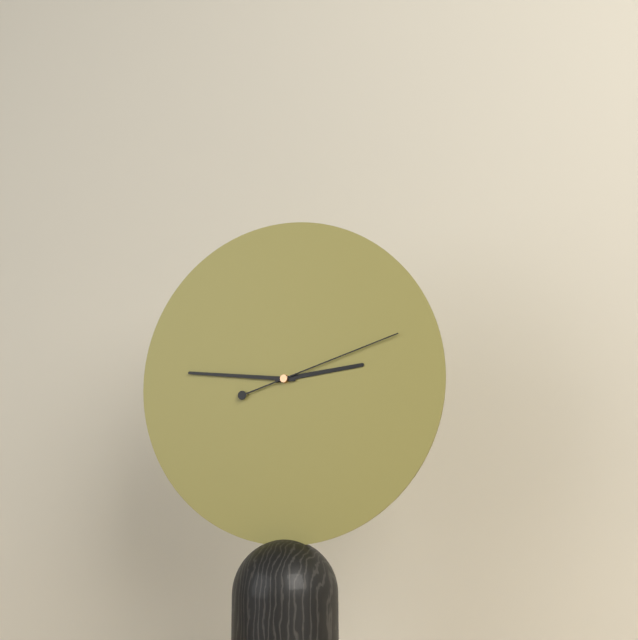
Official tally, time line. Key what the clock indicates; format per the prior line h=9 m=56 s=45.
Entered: h=2 m=46 s=12
